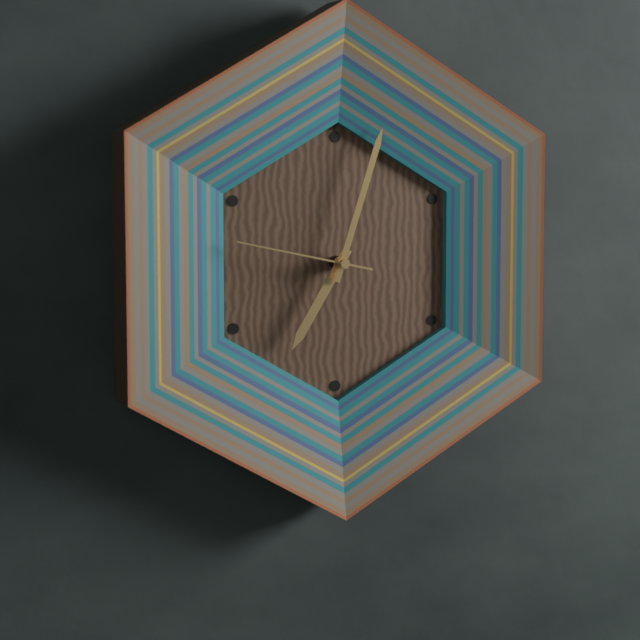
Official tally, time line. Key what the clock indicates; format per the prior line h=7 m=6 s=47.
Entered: h=7 m=3 s=47
